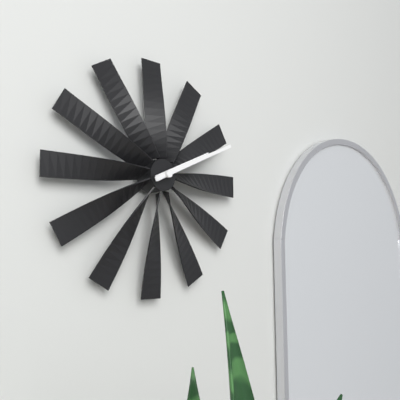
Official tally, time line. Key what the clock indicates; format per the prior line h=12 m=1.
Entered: h=2 m=11
